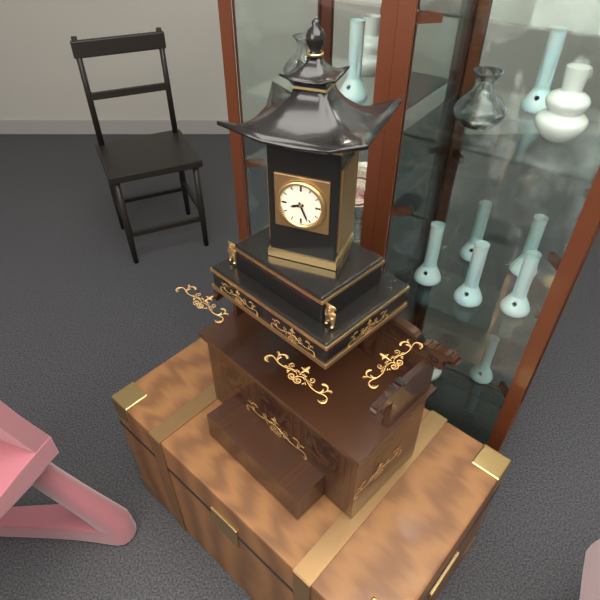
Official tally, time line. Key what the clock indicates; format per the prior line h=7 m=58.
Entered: h=8 m=26
